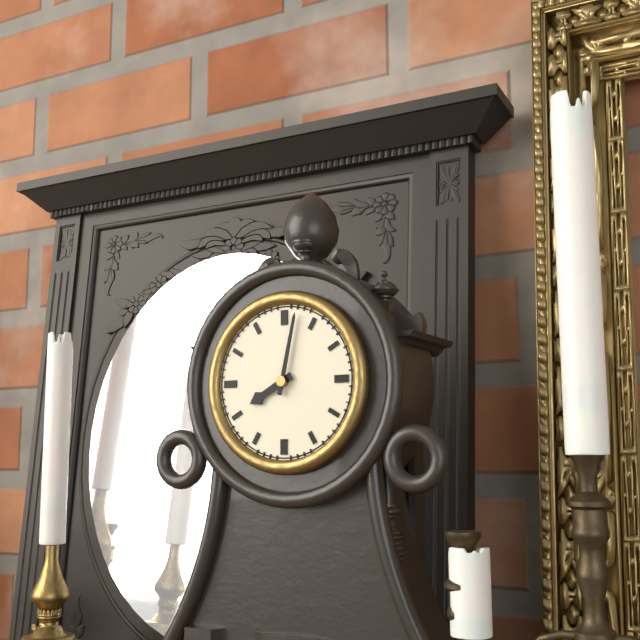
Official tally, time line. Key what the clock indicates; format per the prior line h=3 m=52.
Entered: h=8 m=2
